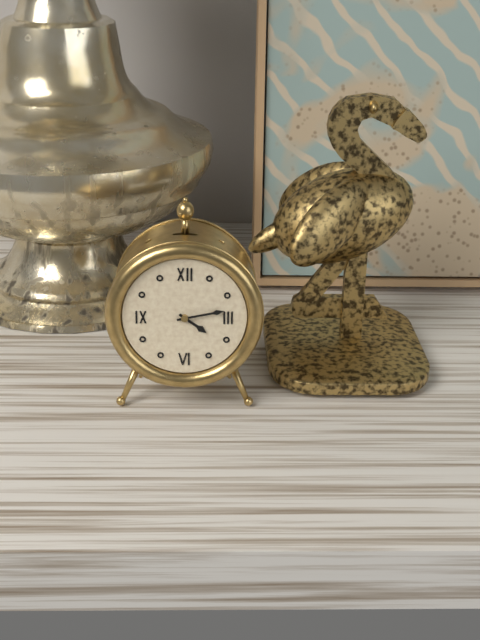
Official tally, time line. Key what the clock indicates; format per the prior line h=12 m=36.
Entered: h=4 m=13
